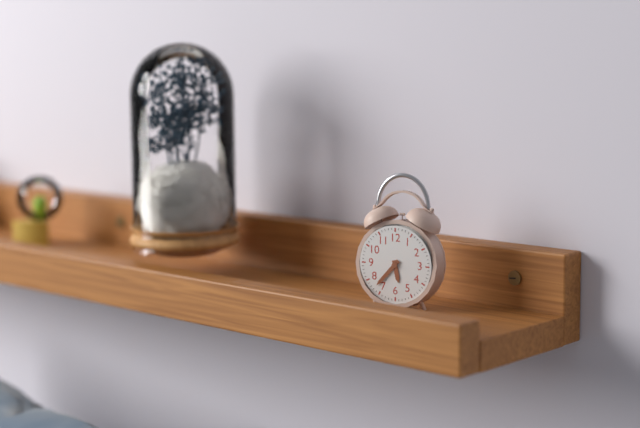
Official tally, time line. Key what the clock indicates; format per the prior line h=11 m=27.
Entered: h=5 m=37
